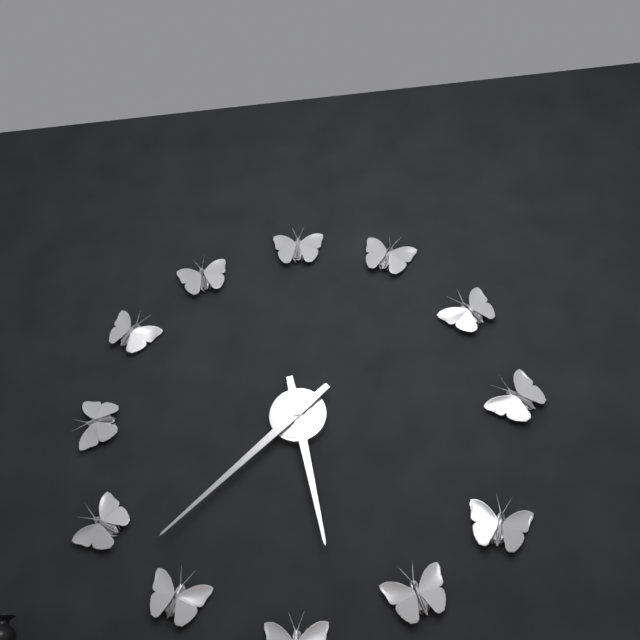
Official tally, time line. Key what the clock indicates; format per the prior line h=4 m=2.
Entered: h=5 m=38
